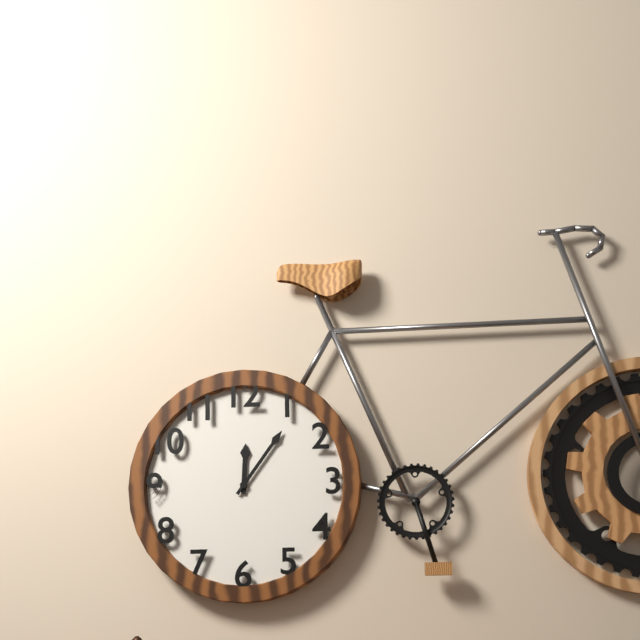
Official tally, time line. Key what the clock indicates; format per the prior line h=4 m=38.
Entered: h=12 m=6
